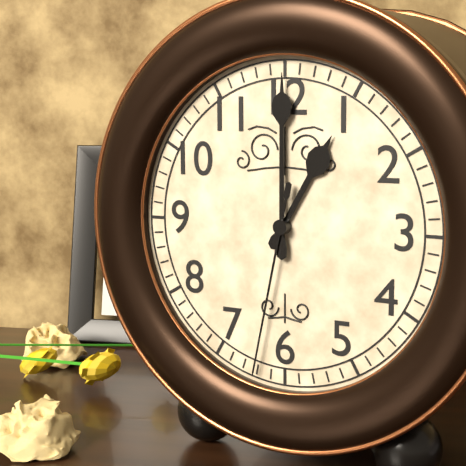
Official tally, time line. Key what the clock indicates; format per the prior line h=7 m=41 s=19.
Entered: h=1 m=0 s=32
